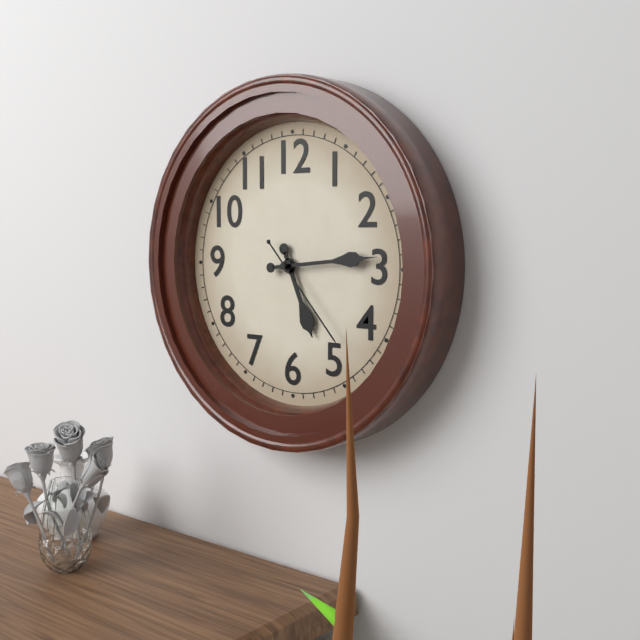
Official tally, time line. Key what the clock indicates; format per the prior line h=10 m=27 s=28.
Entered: h=5 m=14 s=23
